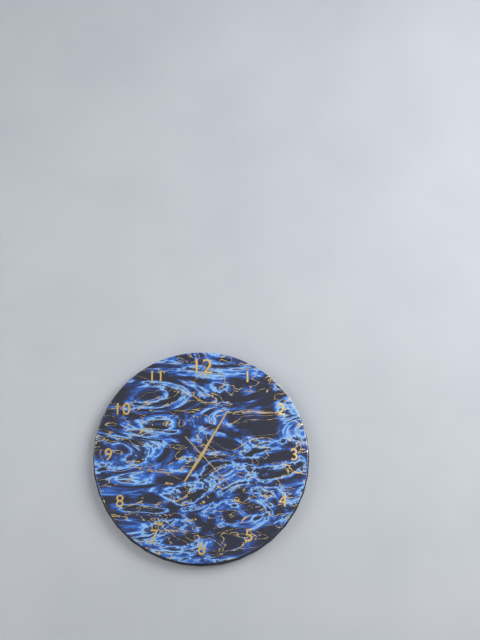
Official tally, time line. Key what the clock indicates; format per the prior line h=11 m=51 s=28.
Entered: h=7 m=5 s=23
